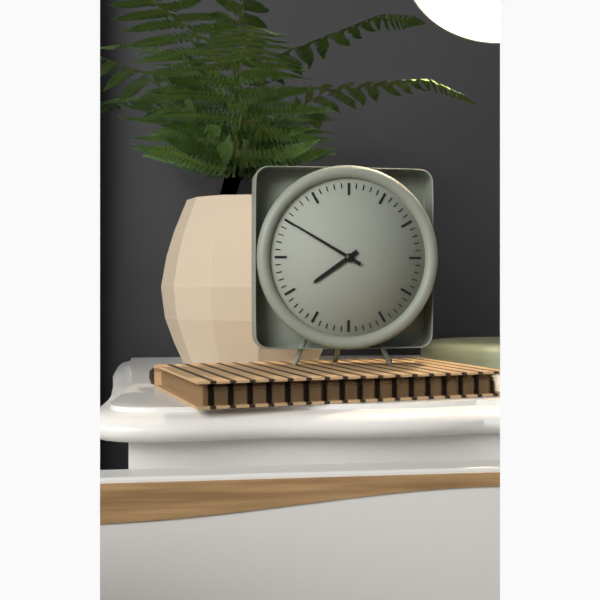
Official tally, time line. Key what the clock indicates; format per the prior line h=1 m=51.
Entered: h=7 m=50
